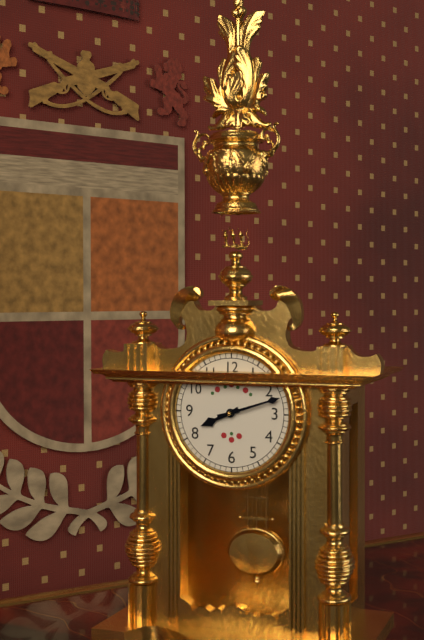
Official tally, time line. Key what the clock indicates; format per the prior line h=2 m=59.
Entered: h=8 m=12
